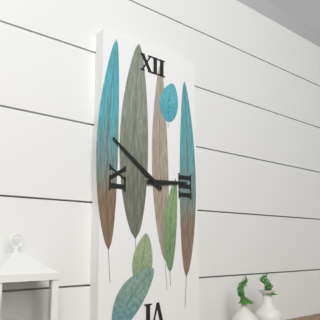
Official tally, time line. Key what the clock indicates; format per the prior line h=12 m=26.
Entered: h=2 m=51
